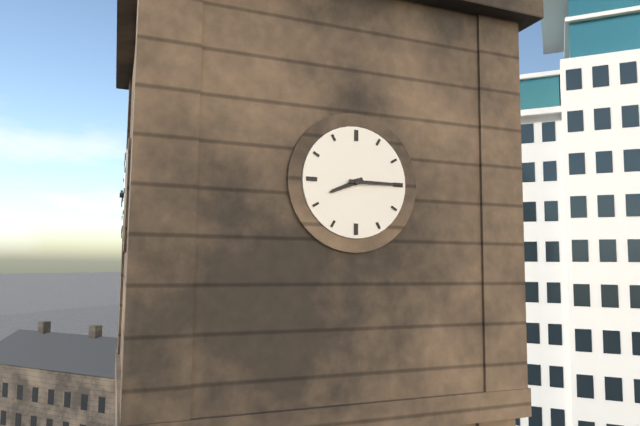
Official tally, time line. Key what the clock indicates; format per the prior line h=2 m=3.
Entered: h=8 m=15
